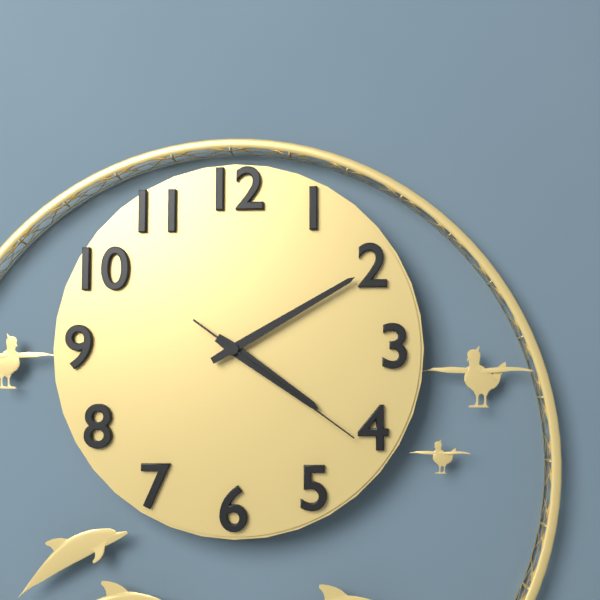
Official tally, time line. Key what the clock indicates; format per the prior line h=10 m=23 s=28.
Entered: h=4 m=10 s=21
